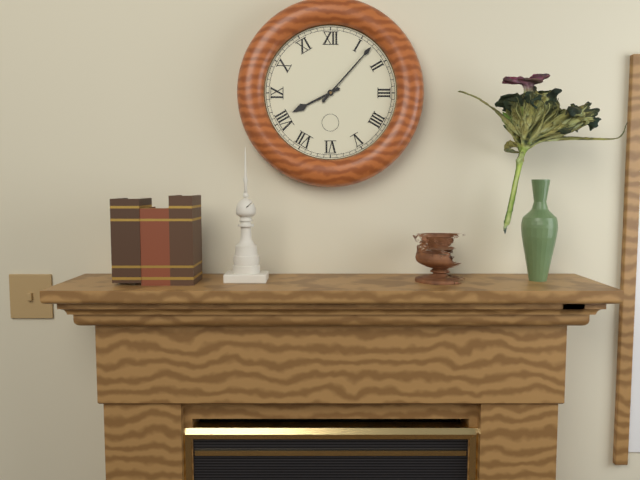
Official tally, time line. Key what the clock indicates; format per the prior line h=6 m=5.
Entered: h=8 m=7
